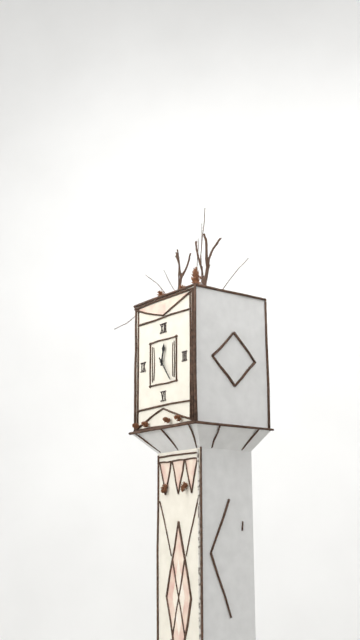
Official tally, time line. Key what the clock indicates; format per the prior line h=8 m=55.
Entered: h=12 m=24
